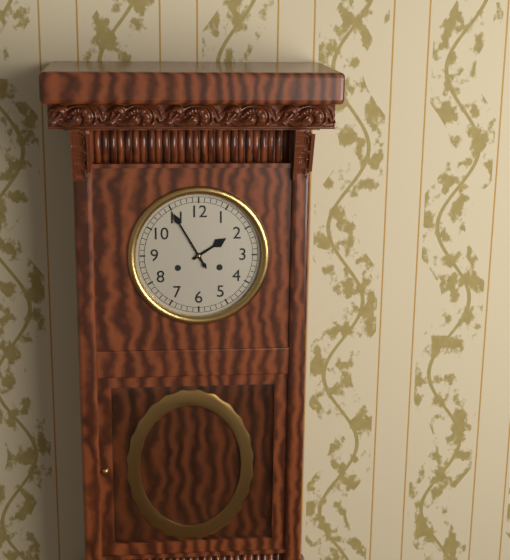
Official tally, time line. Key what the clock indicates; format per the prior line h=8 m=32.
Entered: h=1 m=55
